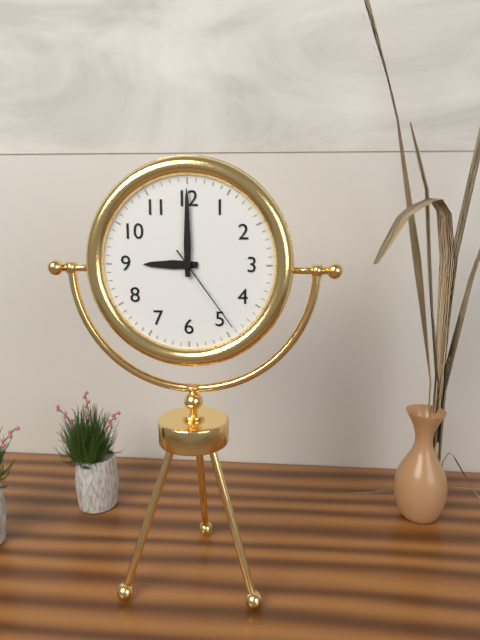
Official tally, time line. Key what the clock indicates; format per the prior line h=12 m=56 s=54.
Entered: h=9 m=0 s=24
